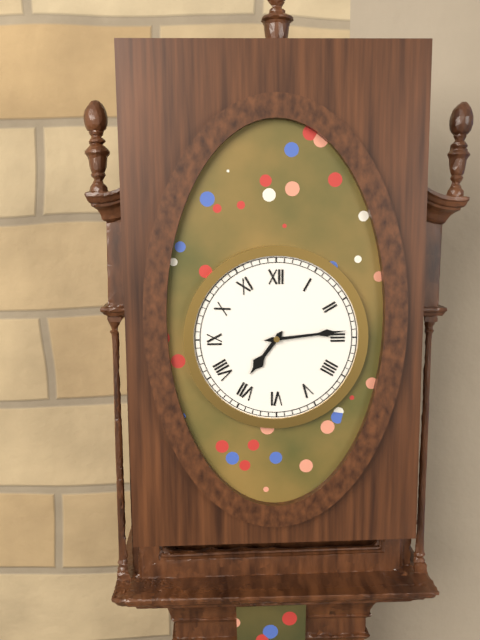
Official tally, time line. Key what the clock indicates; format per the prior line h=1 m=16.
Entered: h=7 m=14
